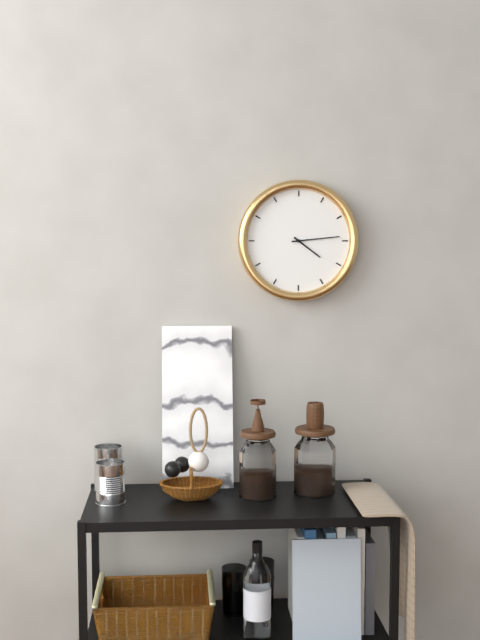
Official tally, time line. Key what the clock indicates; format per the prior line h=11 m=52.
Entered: h=4 m=14
